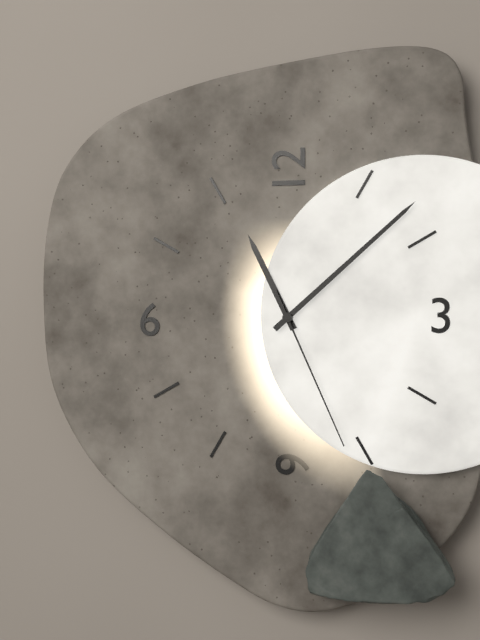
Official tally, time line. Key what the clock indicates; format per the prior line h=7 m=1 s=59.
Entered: h=11 m=8 s=26
